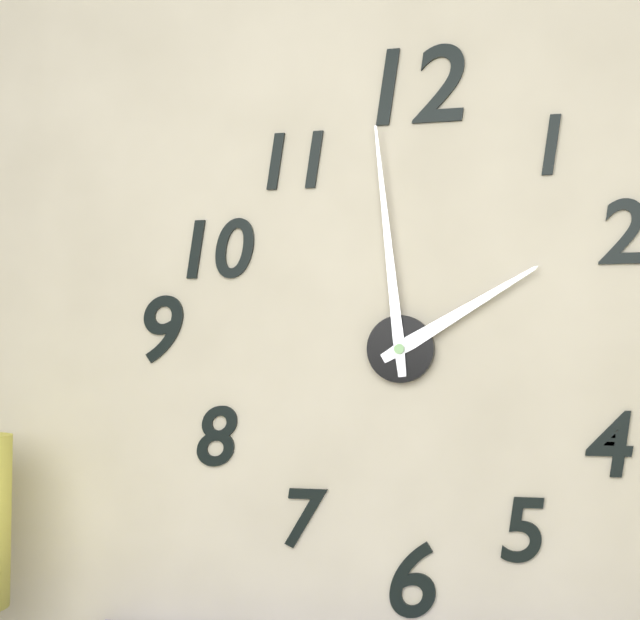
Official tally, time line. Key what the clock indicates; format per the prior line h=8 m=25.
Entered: h=1 m=59
